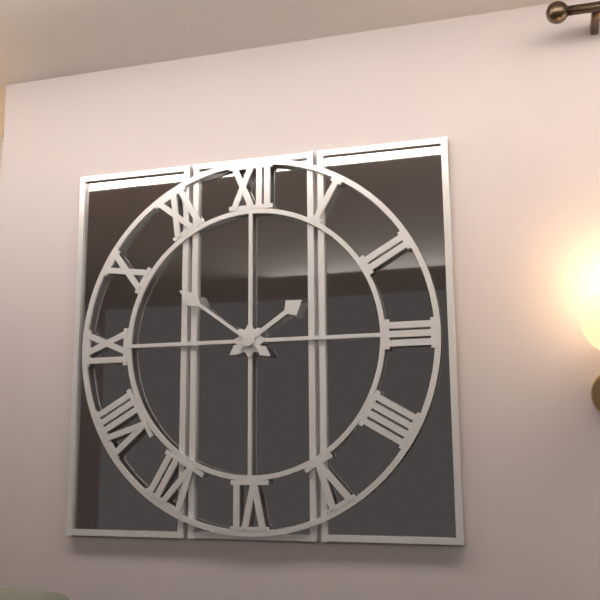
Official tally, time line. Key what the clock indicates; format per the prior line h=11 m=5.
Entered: h=1 m=51
